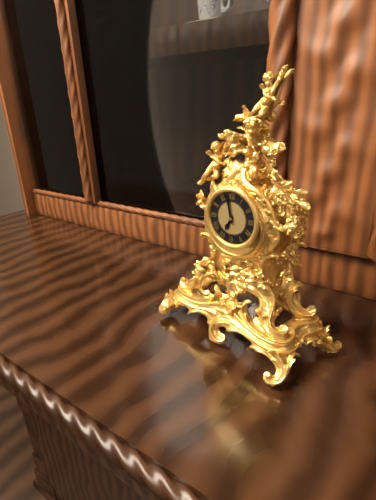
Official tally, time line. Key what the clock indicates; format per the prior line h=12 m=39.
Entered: h=6 m=58
